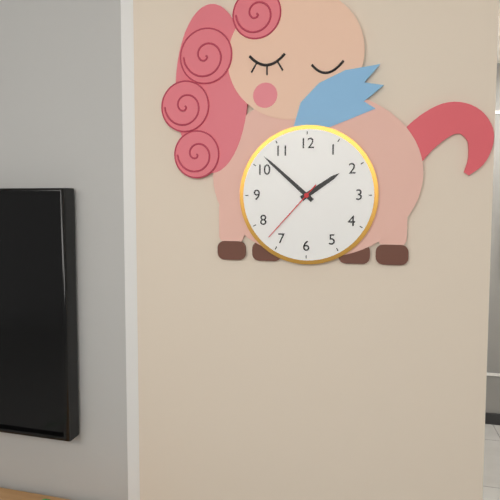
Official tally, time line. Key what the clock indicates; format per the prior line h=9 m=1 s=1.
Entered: h=1 m=52 s=37
